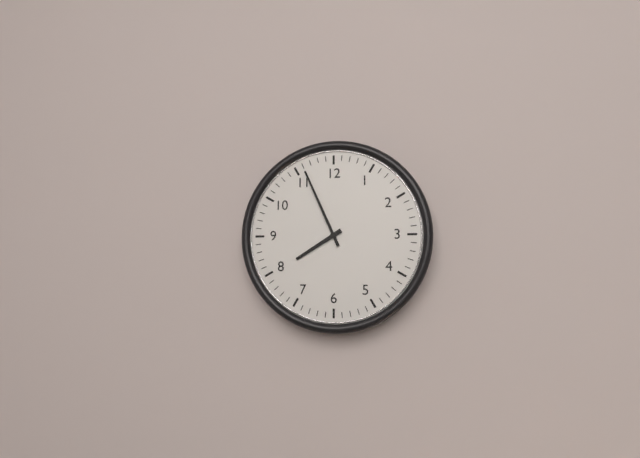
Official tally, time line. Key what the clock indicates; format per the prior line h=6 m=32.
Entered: h=7 m=56
